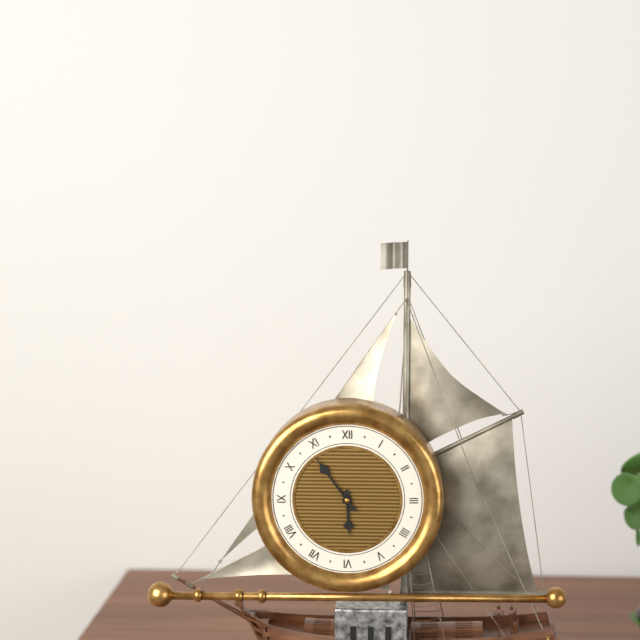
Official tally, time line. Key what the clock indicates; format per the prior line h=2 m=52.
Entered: h=5 m=54
